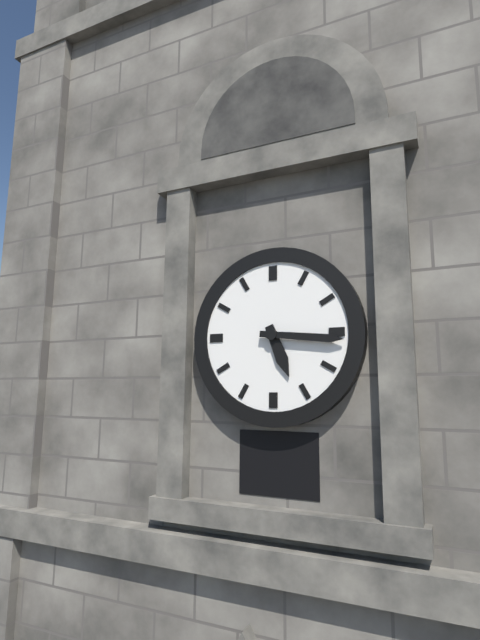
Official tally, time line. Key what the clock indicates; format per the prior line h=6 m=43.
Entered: h=5 m=16
